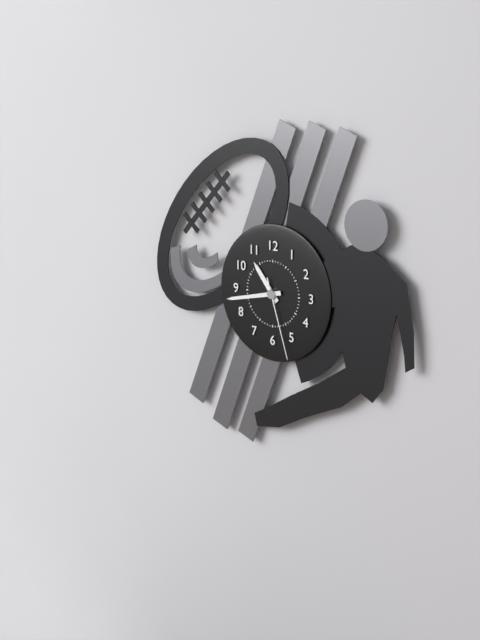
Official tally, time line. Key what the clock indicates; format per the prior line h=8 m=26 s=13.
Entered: h=10 m=43 s=27
